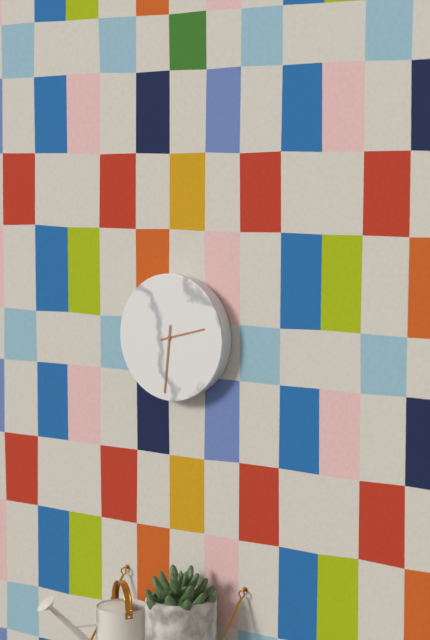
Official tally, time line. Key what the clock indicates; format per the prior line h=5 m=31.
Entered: h=2 m=31
